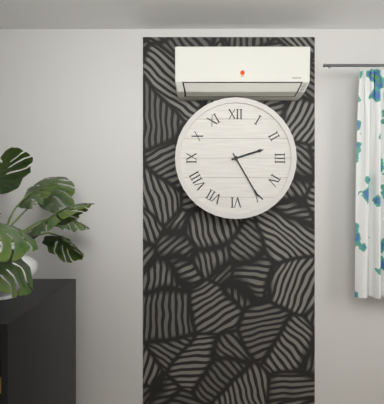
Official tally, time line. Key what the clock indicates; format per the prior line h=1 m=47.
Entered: h=2 m=25
